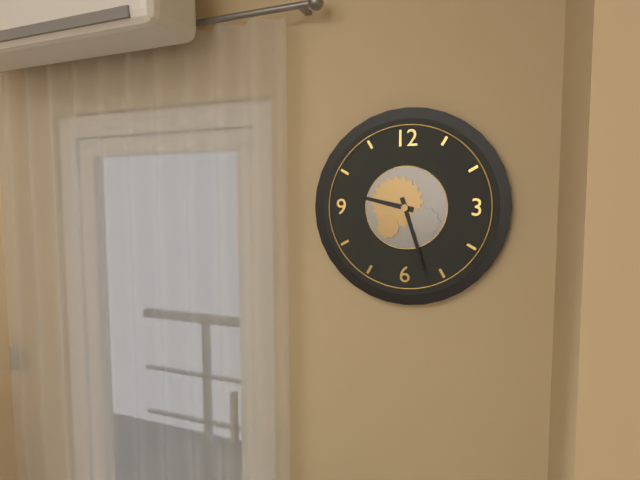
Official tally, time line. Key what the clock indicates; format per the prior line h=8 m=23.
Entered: h=9 m=27
